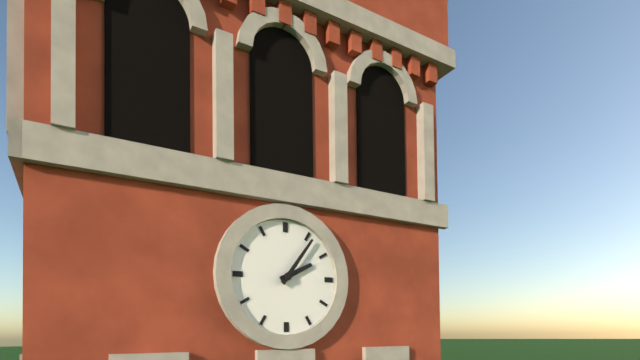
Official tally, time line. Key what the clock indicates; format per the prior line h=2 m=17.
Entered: h=2 m=6
